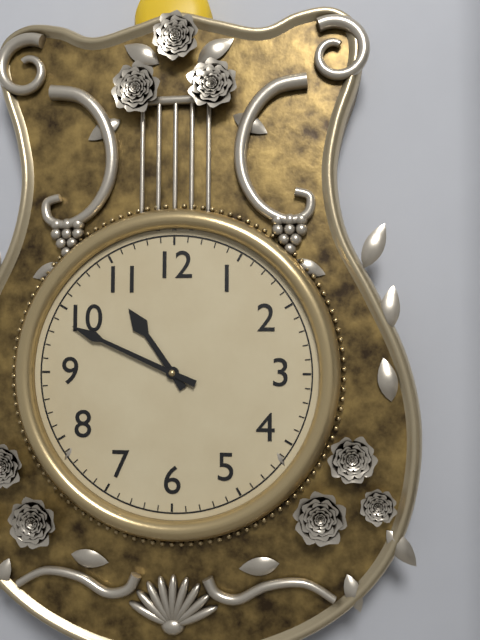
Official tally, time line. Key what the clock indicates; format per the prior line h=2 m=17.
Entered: h=10 m=49
